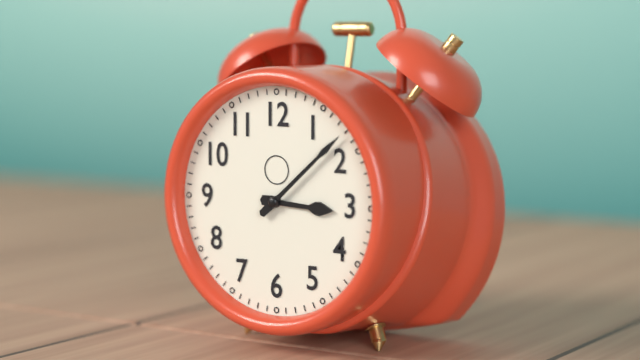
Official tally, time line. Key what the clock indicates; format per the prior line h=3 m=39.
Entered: h=3 m=8
